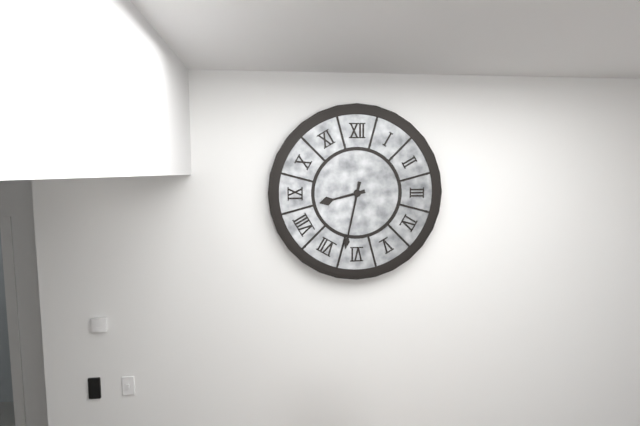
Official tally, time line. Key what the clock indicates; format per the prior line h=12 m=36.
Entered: h=8 m=32
